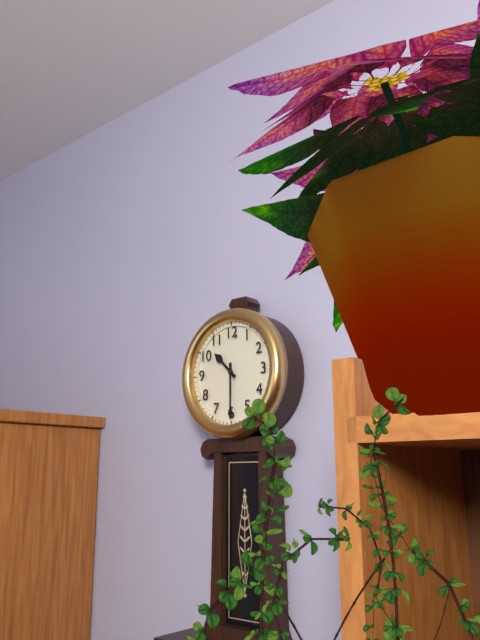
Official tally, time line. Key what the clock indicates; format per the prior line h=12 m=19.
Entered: h=10 m=30
